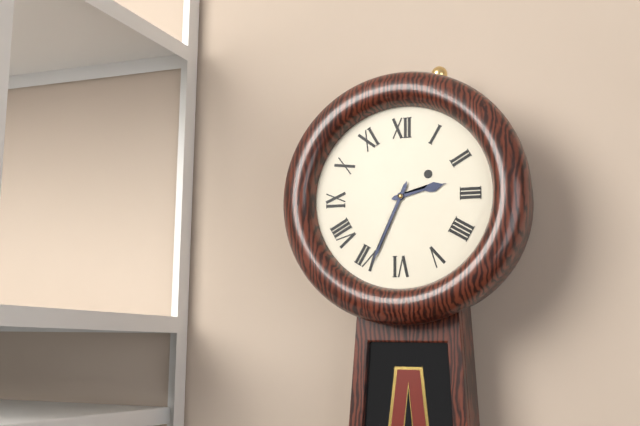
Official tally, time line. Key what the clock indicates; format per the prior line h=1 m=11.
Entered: h=2 m=34
